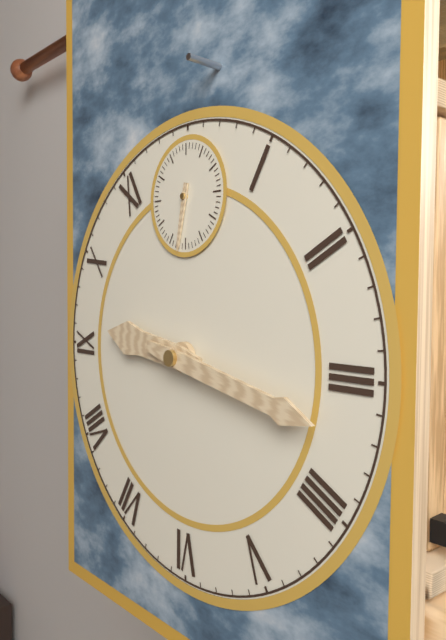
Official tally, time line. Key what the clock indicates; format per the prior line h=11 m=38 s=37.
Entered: h=9 m=17 s=32
